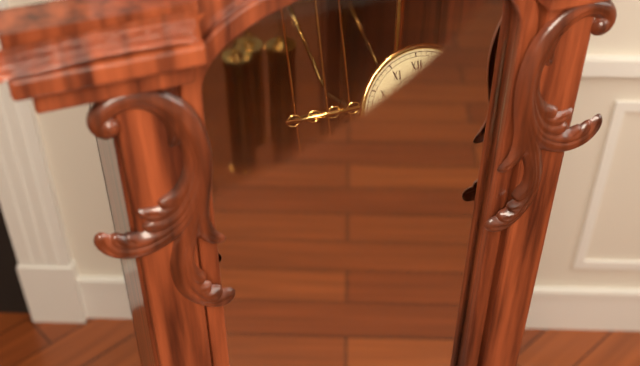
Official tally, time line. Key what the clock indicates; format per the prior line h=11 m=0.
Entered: h=1 m=29
